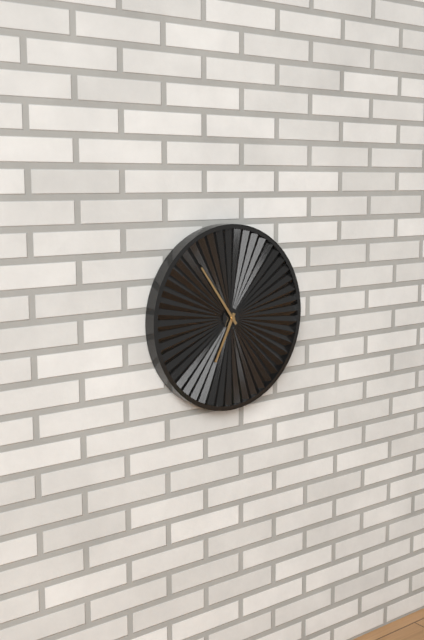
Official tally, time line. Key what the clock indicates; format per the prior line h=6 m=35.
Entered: h=6 m=54
